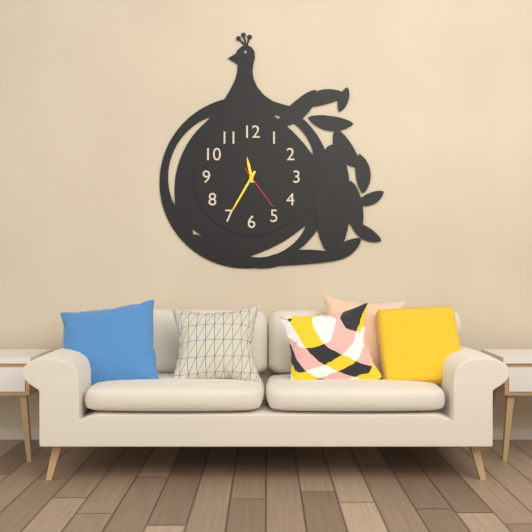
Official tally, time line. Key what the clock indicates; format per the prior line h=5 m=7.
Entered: h=11 m=35
